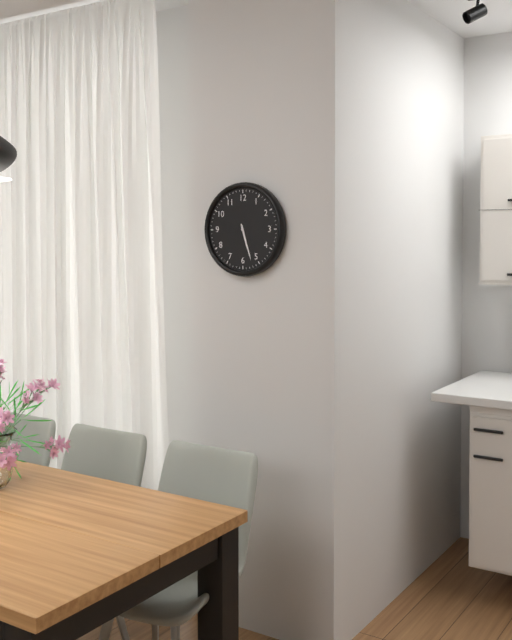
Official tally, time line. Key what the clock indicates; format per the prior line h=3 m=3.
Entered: h=5 m=27
